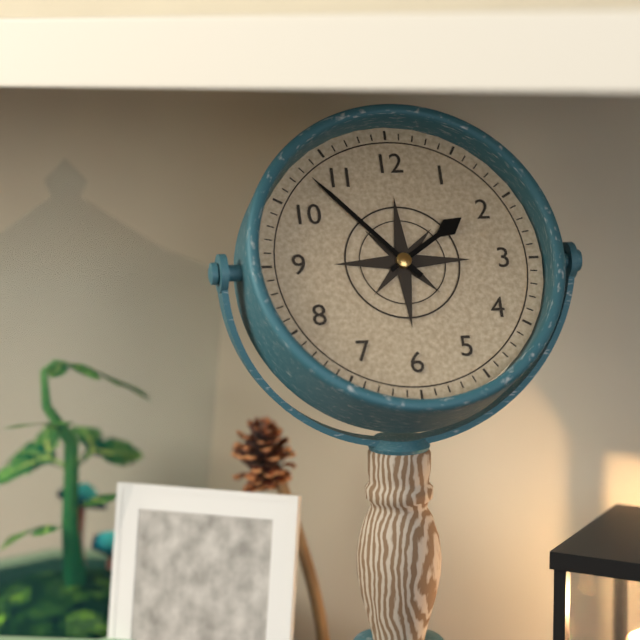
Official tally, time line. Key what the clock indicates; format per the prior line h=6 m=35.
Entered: h=1 m=53
